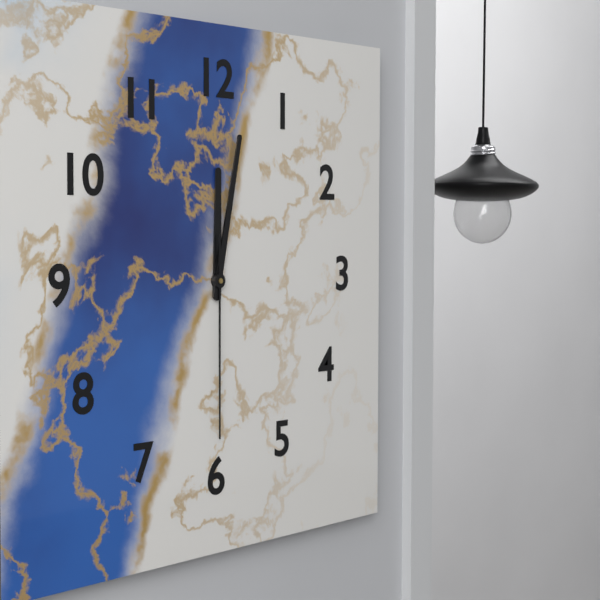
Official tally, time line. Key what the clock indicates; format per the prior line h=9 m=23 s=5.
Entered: h=12 m=2 s=30
